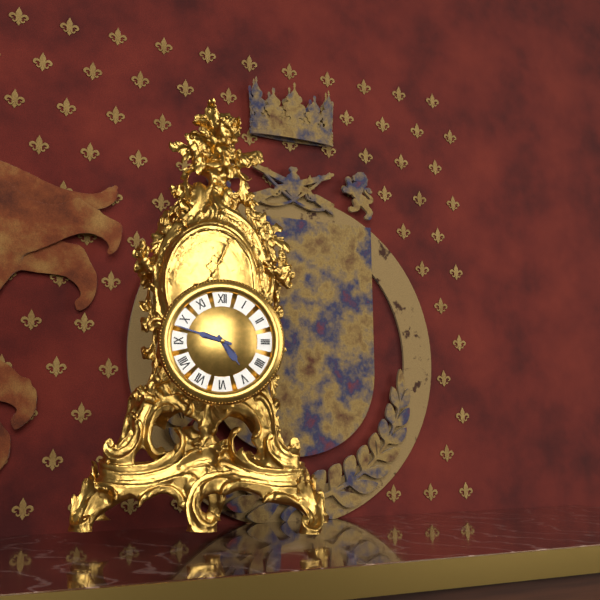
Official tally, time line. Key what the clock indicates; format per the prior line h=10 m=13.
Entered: h=4 m=48
